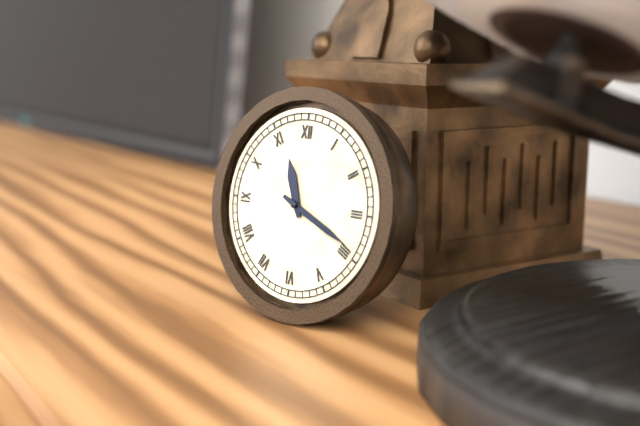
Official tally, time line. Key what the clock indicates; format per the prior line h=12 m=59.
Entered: h=11 m=19
